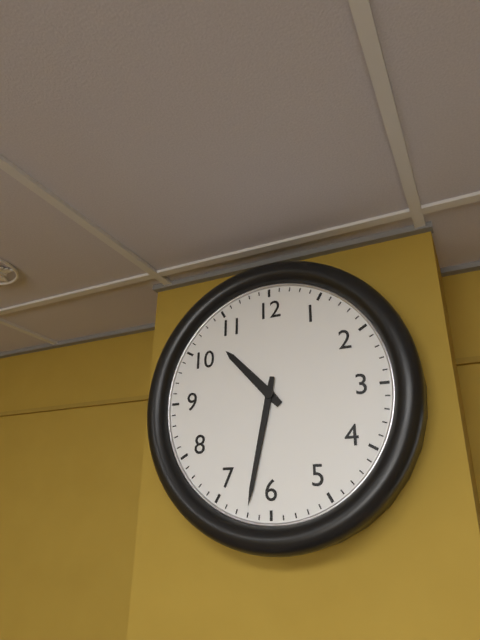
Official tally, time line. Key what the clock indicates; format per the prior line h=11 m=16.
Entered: h=10 m=32
